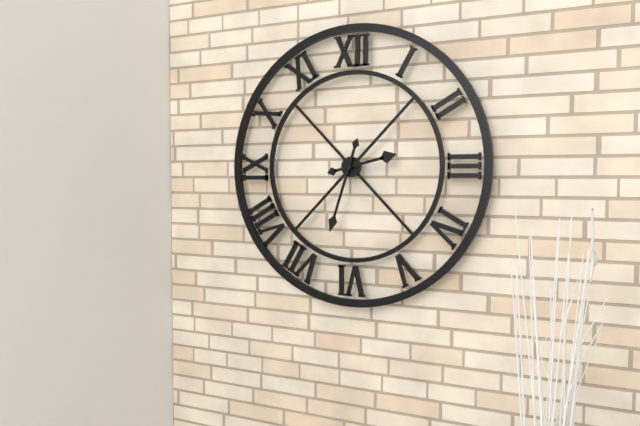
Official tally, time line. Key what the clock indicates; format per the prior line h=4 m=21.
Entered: h=2 m=33
